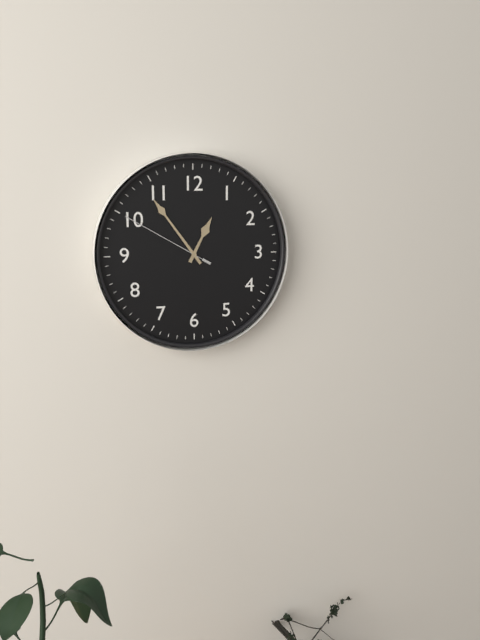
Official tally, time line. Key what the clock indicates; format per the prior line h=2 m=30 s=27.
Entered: h=12 m=54 s=50
